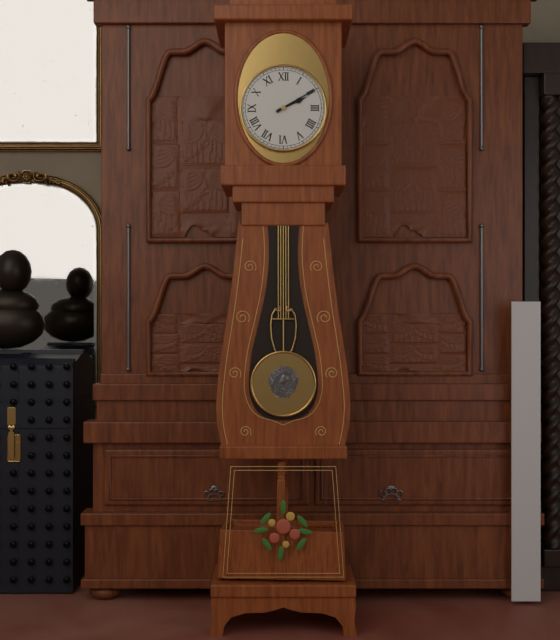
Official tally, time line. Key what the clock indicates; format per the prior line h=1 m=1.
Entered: h=2 m=10
